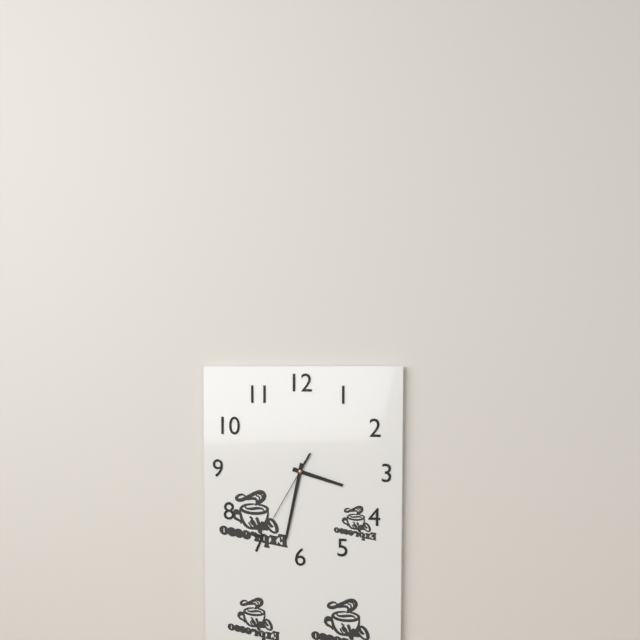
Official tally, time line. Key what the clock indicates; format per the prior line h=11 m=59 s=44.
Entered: h=3 m=32 s=35
